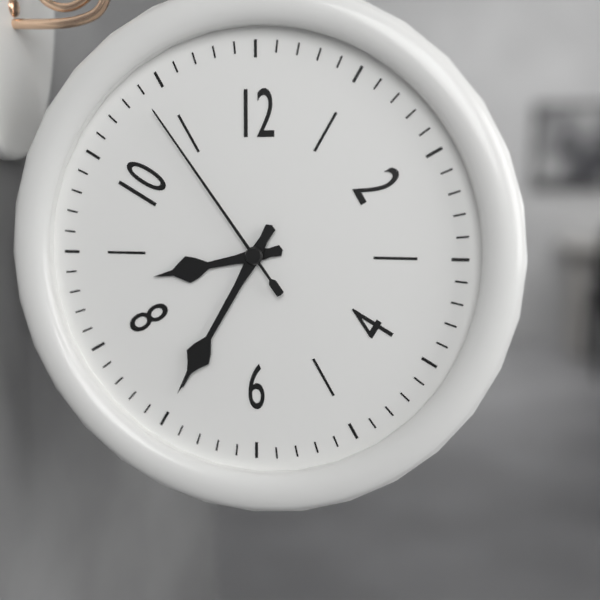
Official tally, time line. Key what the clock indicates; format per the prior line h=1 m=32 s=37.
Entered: h=8 m=35 s=54
